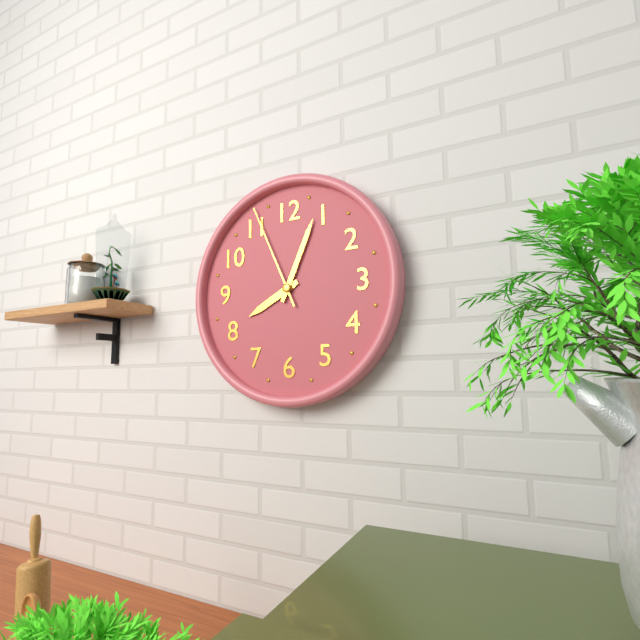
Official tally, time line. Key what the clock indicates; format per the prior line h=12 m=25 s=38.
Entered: h=8 m=4 s=56
